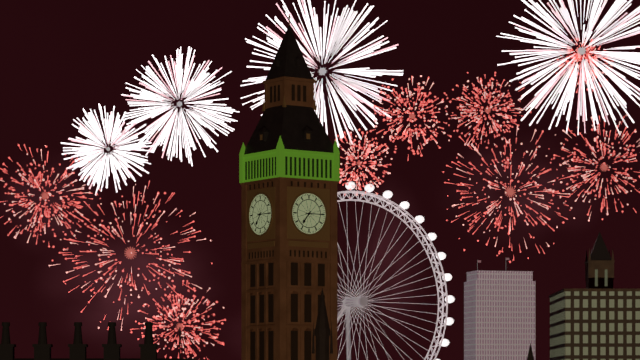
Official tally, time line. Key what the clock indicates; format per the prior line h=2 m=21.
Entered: h=7 m=15
